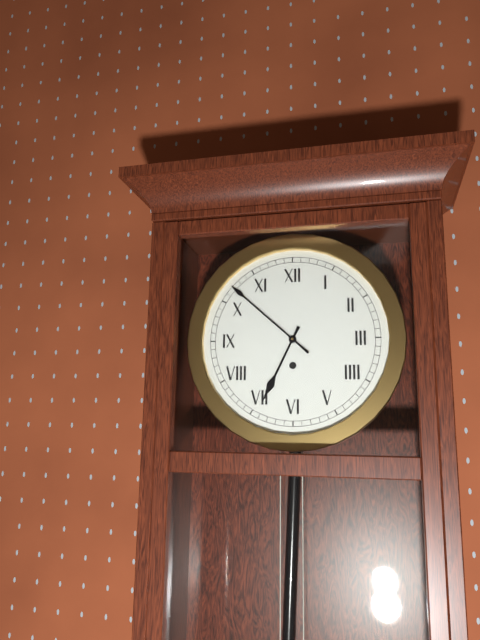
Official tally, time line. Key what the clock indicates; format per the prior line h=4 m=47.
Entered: h=6 m=52
